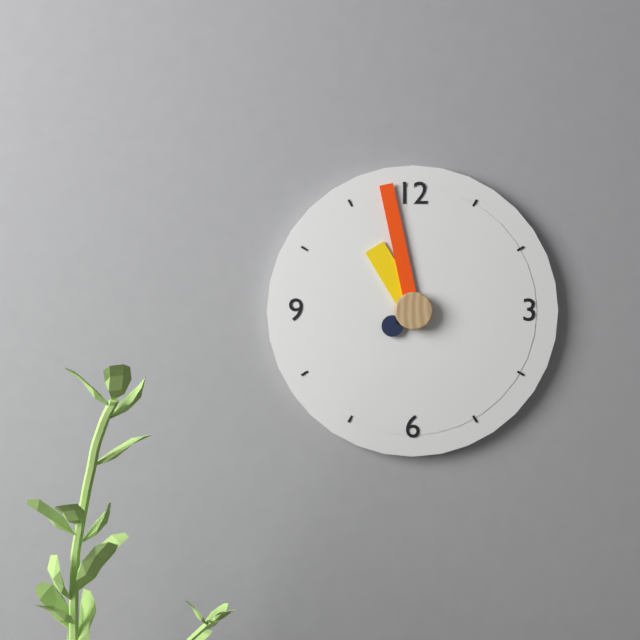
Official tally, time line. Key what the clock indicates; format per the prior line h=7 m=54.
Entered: h=10 m=58
